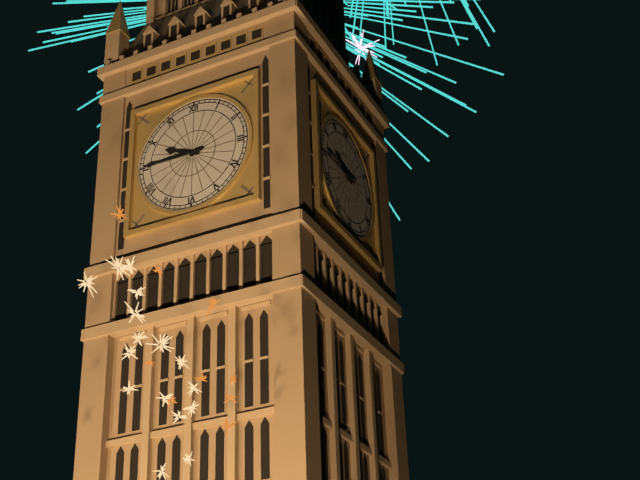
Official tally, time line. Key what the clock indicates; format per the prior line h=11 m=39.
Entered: h=9 m=45
